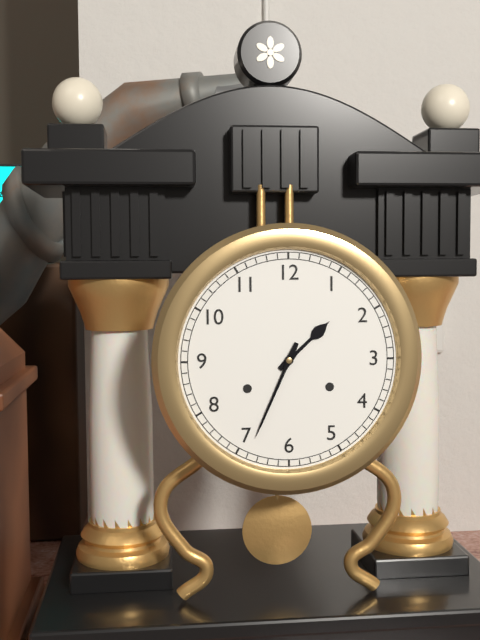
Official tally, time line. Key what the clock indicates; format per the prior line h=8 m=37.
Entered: h=1 m=34
